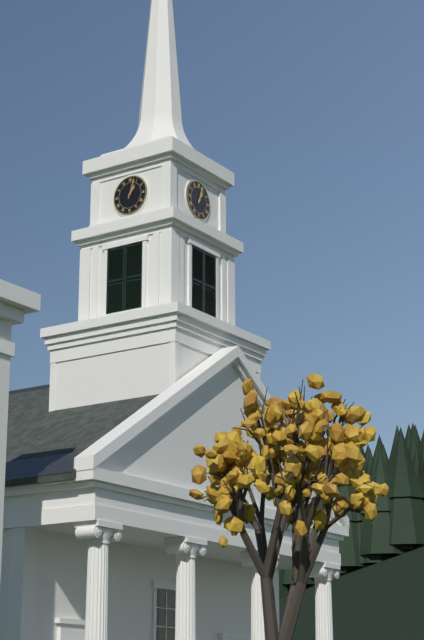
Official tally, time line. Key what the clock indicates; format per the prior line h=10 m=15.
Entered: h=1 m=3
